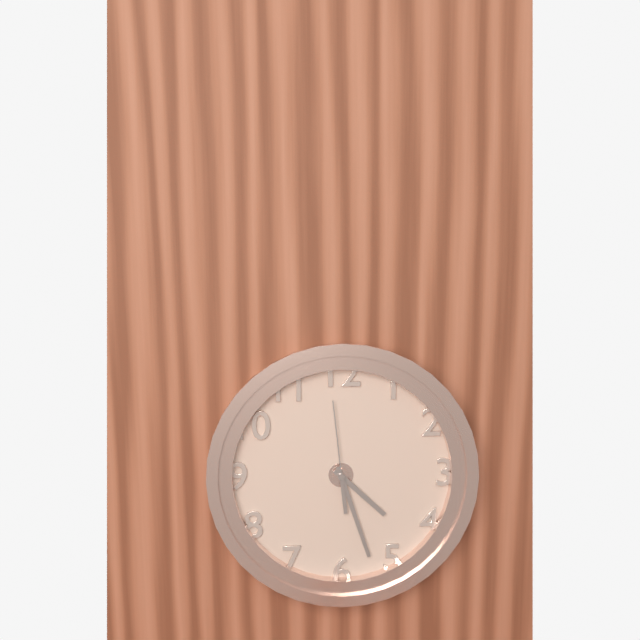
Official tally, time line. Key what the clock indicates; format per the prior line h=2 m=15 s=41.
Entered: h=4 m=27 s=59
